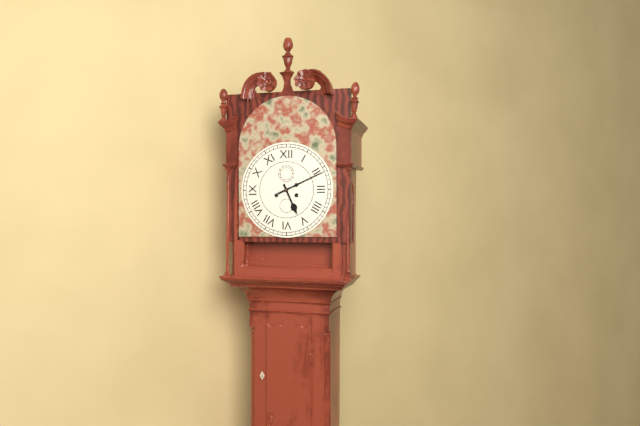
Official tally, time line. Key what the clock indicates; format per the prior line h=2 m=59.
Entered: h=5 m=11
